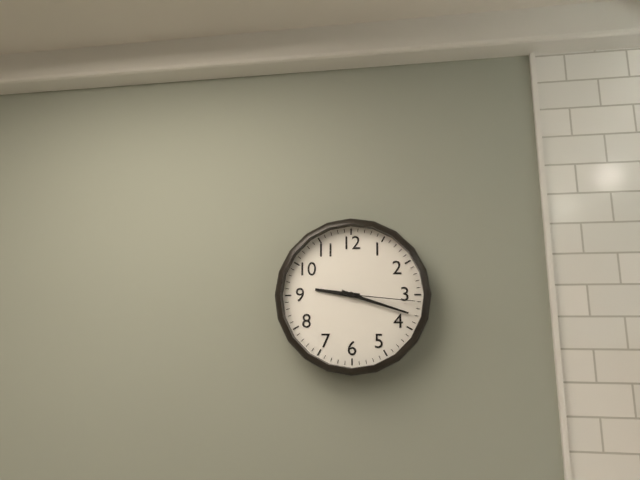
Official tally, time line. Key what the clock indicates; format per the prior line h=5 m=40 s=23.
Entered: h=9 m=18 s=16
